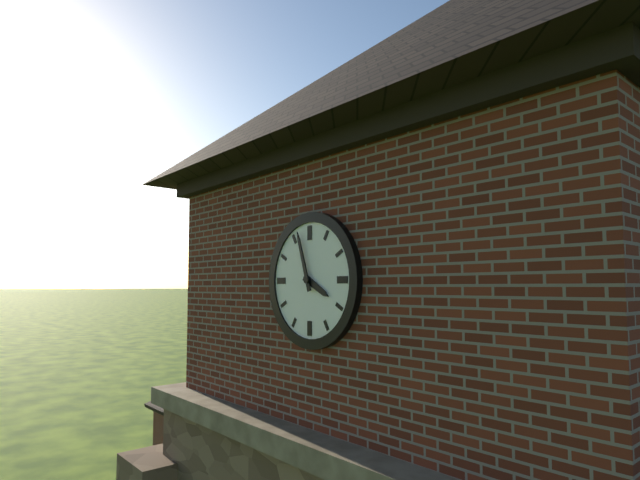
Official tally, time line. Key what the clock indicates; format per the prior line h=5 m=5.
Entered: h=3 m=57
